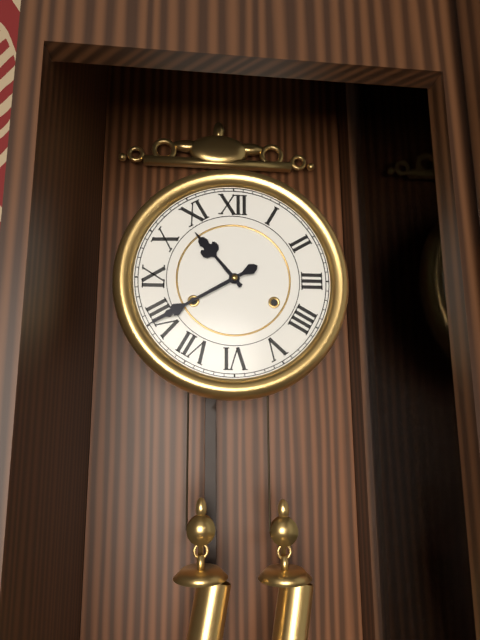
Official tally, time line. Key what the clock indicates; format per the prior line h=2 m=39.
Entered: h=10 m=40
